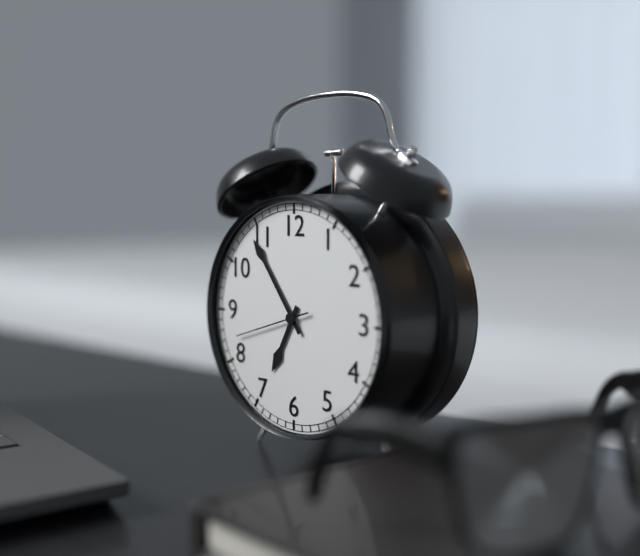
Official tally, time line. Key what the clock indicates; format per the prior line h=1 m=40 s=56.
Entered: h=6 m=54 s=42
